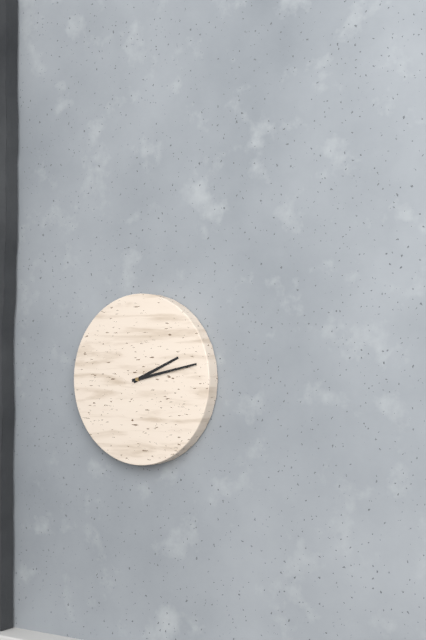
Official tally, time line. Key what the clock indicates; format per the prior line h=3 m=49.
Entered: h=2 m=13
